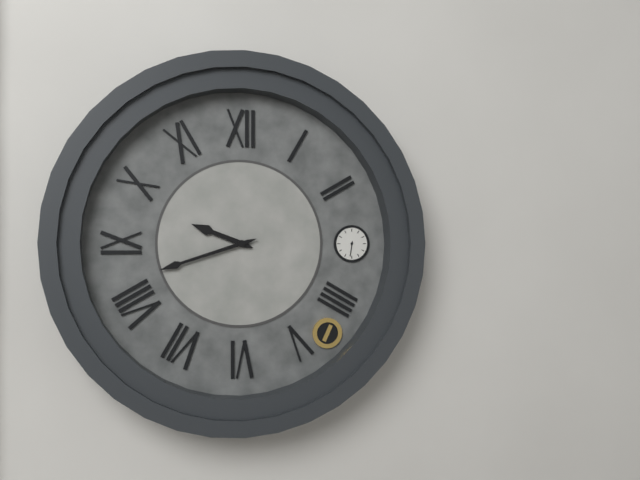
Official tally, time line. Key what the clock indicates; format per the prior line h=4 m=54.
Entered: h=9 m=42
